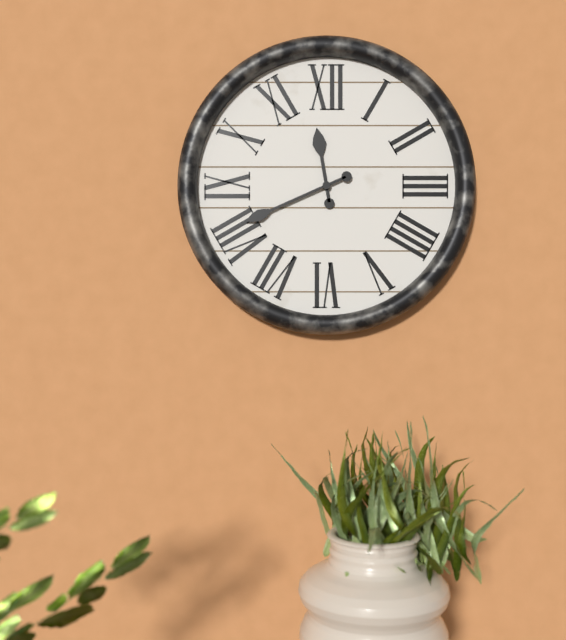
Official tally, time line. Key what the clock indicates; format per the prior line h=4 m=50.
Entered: h=11 m=41
